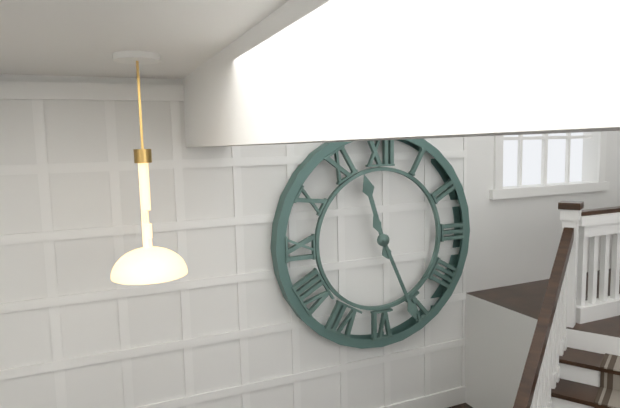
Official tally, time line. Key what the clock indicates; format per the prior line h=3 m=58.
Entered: h=11 m=26
